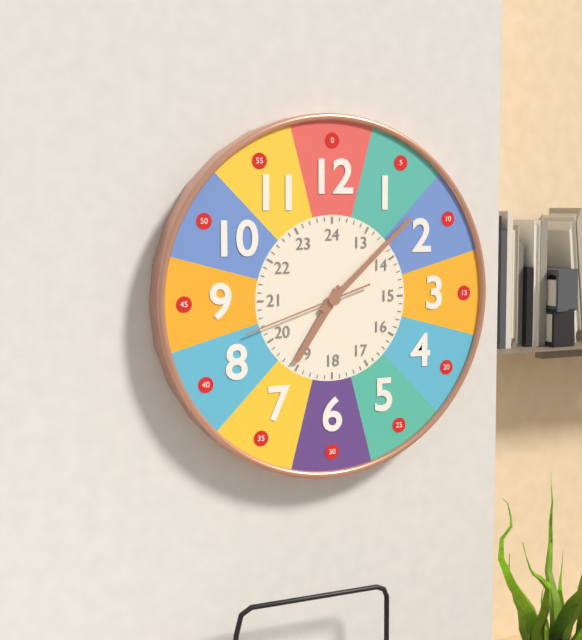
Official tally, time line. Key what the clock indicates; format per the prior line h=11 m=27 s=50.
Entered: h=7 m=8 s=42
